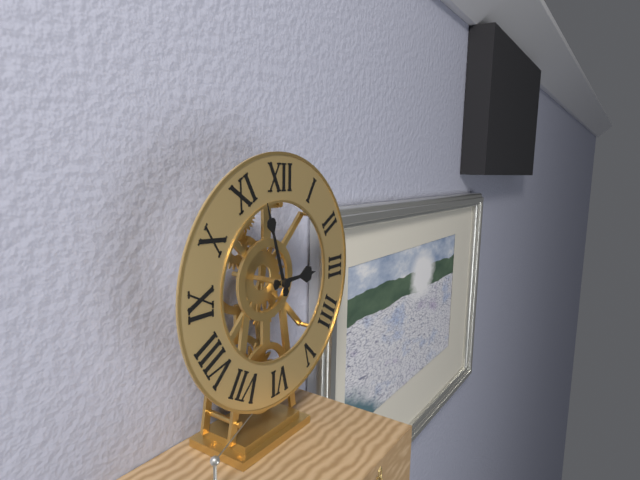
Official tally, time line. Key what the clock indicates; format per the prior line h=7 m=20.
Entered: h=2 m=57
